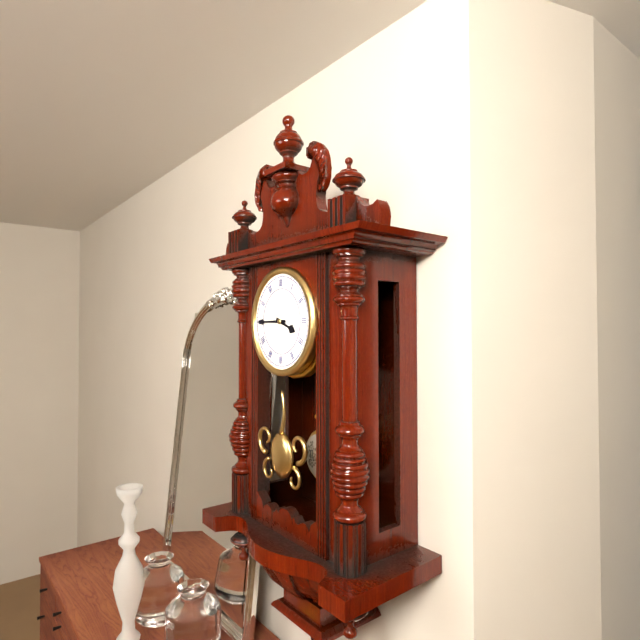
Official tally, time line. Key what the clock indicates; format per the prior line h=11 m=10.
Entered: h=3 m=45
